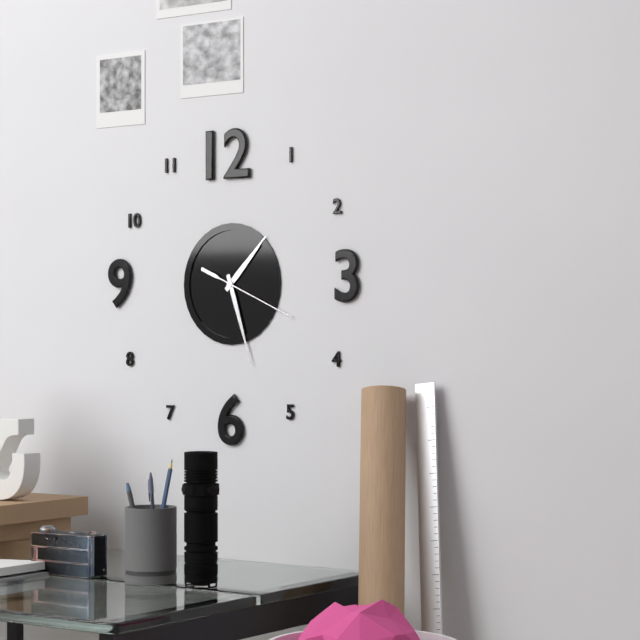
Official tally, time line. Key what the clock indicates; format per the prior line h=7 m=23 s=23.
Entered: h=1 m=27 s=19
